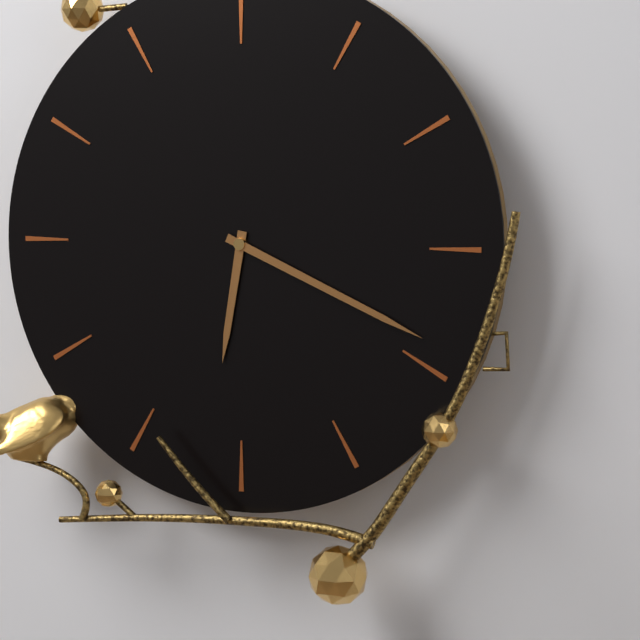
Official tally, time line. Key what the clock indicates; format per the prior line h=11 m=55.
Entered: h=6 m=19
